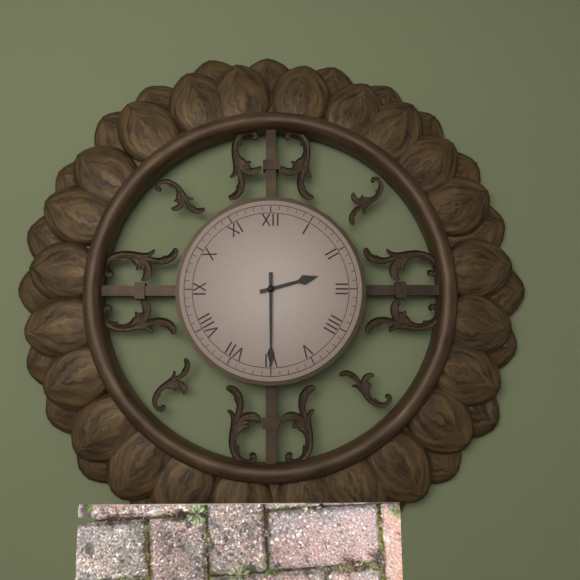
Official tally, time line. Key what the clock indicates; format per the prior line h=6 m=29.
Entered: h=2 m=30
